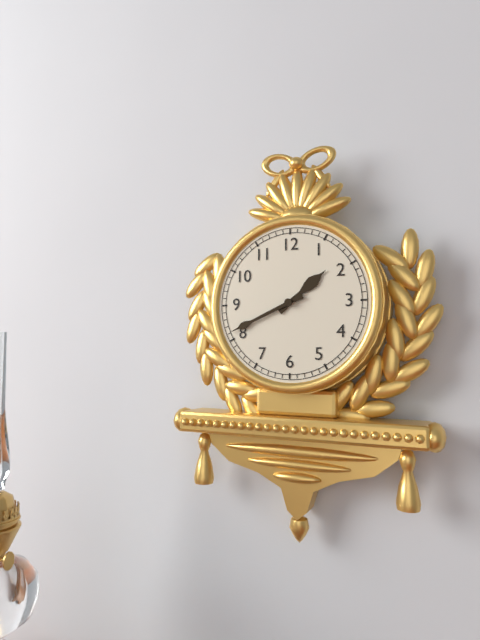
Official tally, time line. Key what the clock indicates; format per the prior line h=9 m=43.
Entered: h=1 m=41
